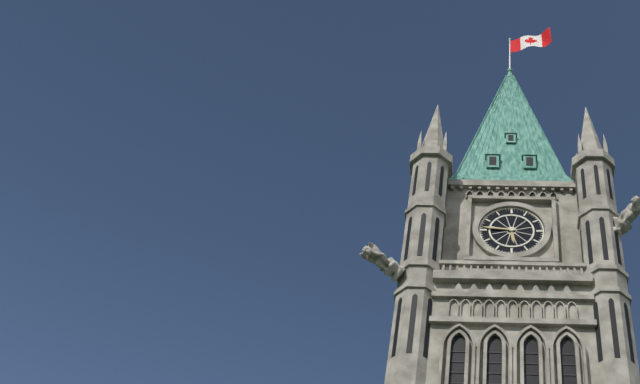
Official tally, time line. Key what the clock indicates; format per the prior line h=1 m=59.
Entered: h=5 m=46
